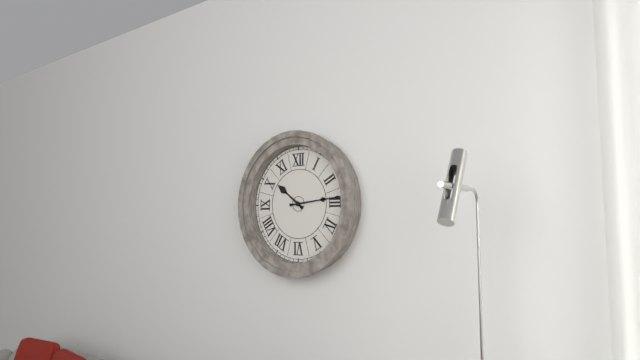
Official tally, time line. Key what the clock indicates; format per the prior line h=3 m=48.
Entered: h=10 m=14
